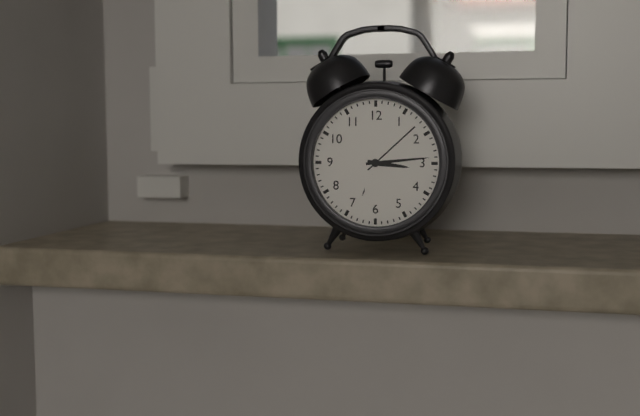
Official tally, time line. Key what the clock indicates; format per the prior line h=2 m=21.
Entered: h=3 m=14
